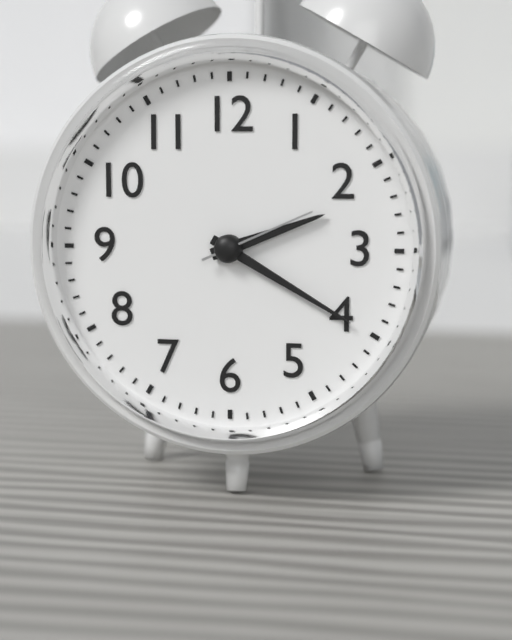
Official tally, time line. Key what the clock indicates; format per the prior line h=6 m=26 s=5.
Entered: h=2 m=20 s=11
